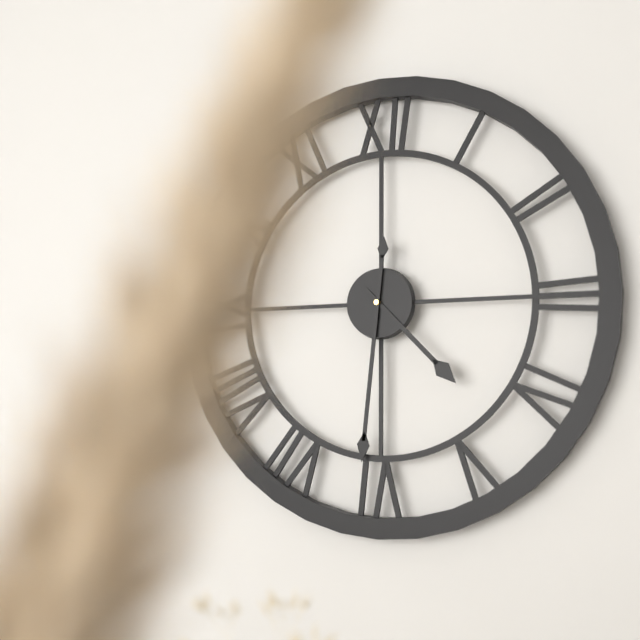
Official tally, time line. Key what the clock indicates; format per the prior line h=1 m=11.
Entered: h=4 m=31
